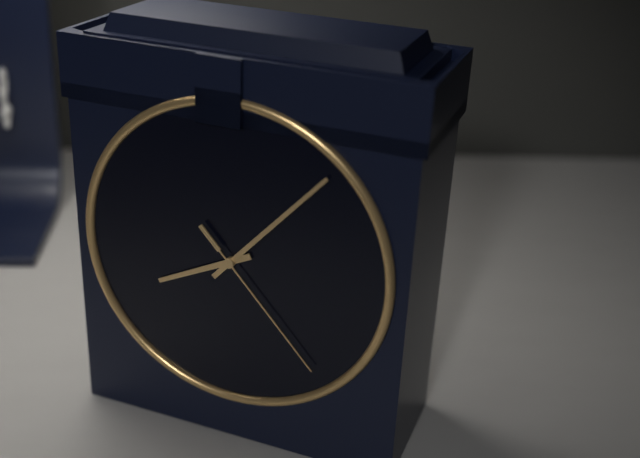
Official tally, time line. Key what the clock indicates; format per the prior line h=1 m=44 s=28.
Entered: h=8 m=7 s=23
